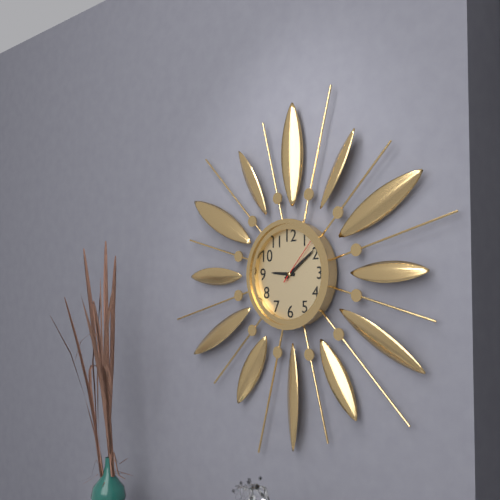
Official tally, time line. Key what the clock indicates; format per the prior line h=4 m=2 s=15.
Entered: h=9 m=9 s=7
